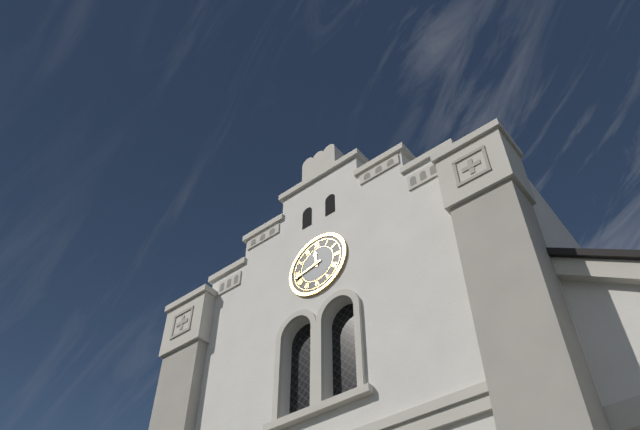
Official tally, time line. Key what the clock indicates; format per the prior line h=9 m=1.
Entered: h=11 m=43
